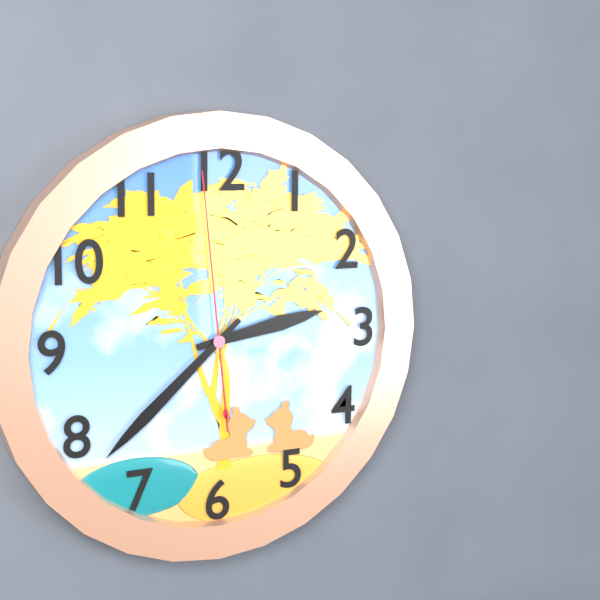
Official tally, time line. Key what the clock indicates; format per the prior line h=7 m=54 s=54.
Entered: h=2 m=38 s=59
